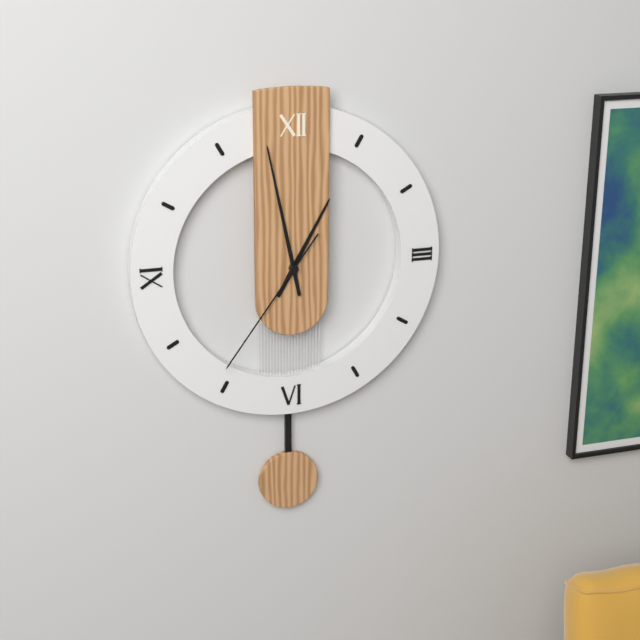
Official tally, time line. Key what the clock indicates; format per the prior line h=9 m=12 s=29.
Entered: h=12 m=58 s=36
